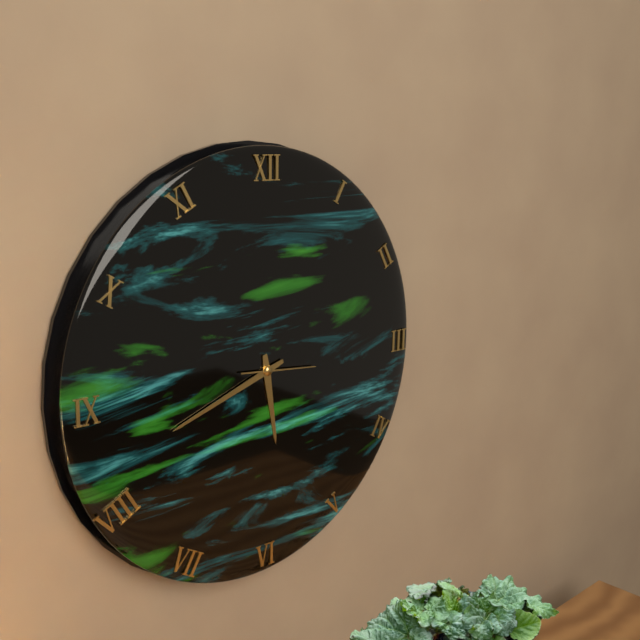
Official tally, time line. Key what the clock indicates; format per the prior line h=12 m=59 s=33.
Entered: h=5 m=42 s=16
